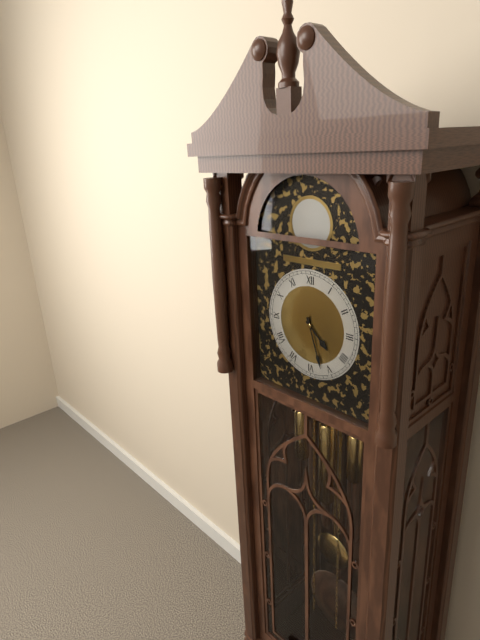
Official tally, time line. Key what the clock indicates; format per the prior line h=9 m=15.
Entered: h=4 m=27
